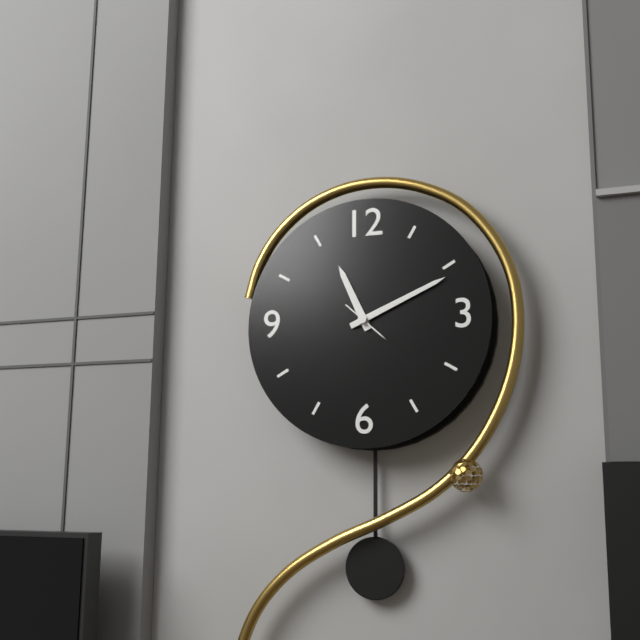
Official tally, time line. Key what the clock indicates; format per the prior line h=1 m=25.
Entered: h=11 m=11
